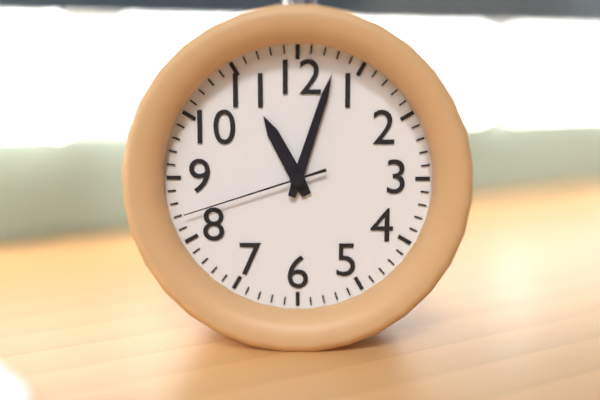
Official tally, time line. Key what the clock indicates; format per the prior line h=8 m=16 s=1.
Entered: h=11 m=3 s=42
